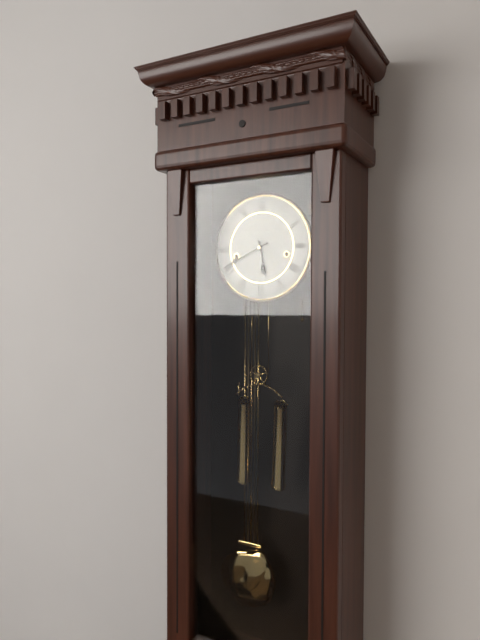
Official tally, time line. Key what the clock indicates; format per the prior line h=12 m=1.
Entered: h=5 m=41
